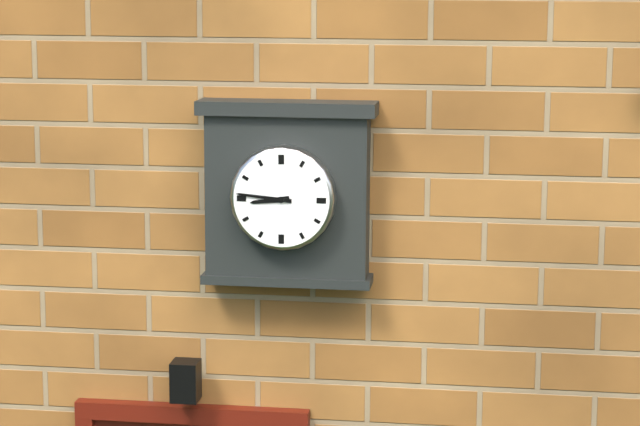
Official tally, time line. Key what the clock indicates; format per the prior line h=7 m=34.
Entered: h=8 m=46
